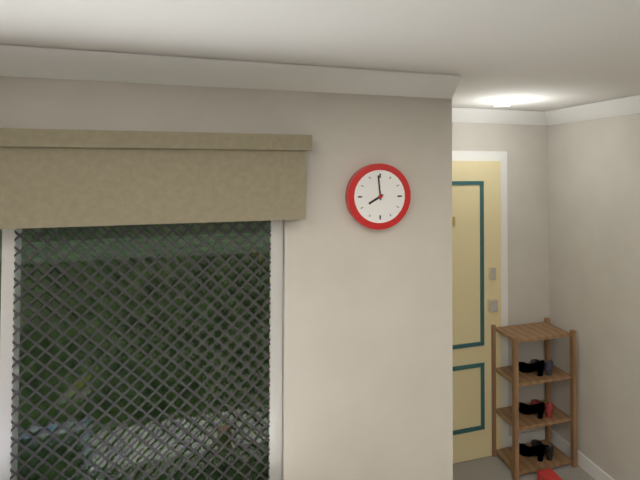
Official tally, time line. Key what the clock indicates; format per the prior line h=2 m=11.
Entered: h=7 m=59
